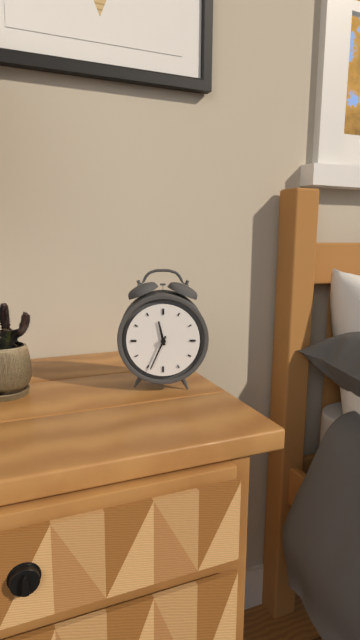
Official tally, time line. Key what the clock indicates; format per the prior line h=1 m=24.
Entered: h=11 m=34
